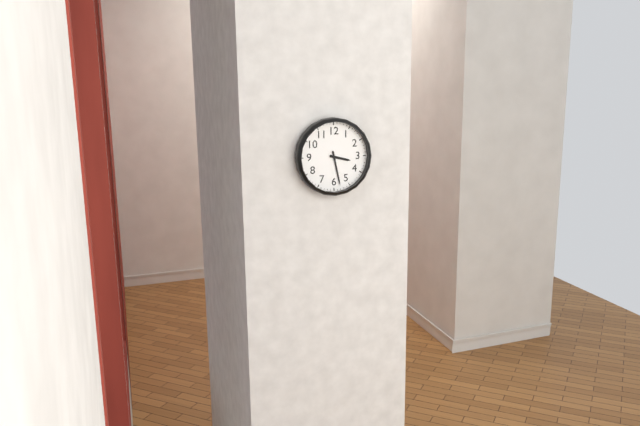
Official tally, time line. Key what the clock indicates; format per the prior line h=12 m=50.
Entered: h=3 m=28
